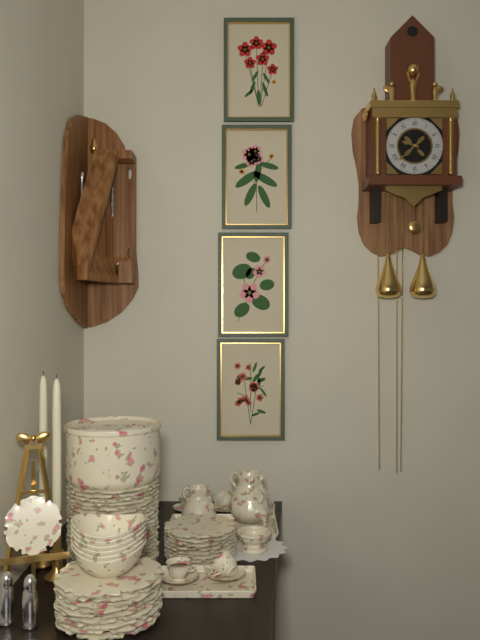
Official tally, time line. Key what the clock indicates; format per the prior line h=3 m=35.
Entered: h=9 m=38
